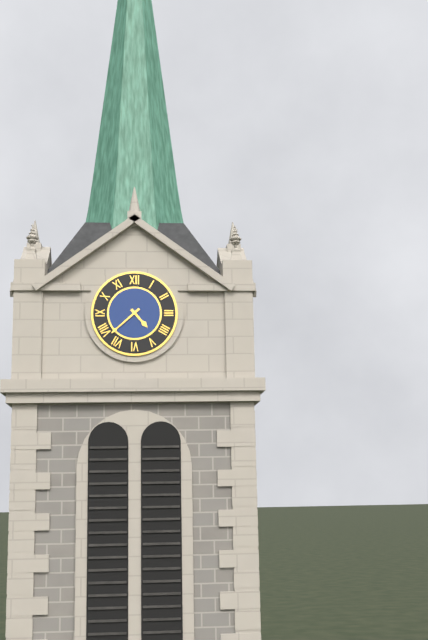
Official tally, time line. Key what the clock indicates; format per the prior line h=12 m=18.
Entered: h=4 m=38
